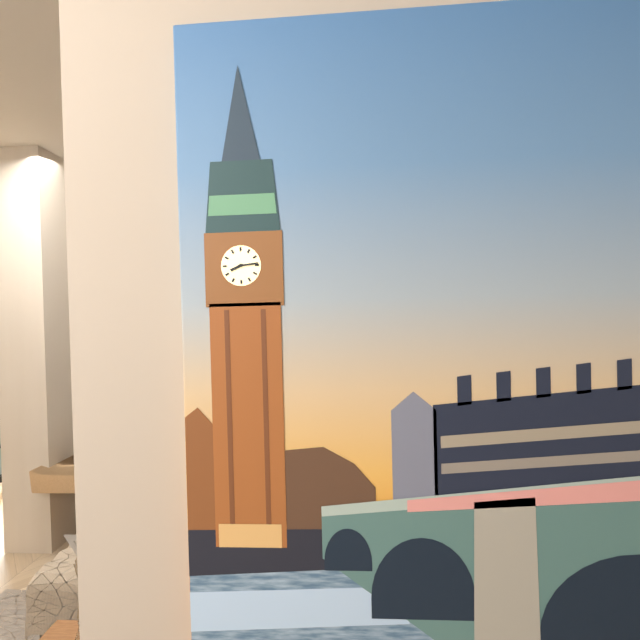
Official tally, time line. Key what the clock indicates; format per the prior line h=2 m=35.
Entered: h=8 m=14
